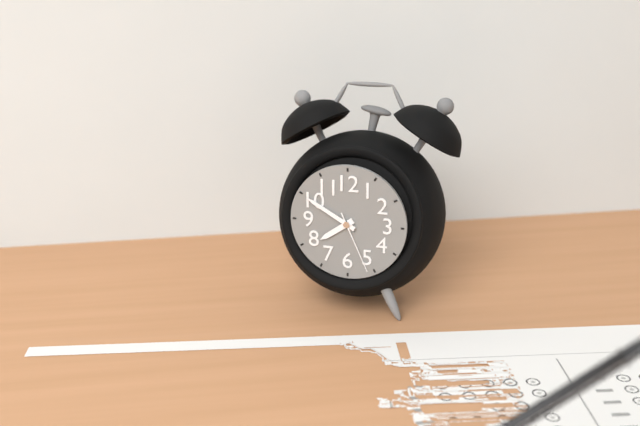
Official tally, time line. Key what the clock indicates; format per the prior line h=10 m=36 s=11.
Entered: h=7 m=50 s=26
